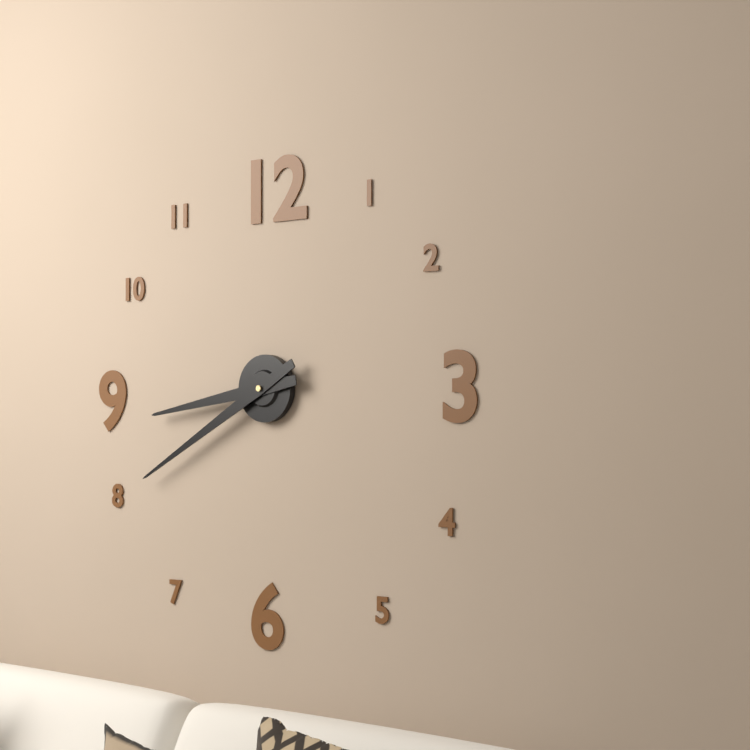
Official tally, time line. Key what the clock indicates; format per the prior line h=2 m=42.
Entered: h=8 m=40
